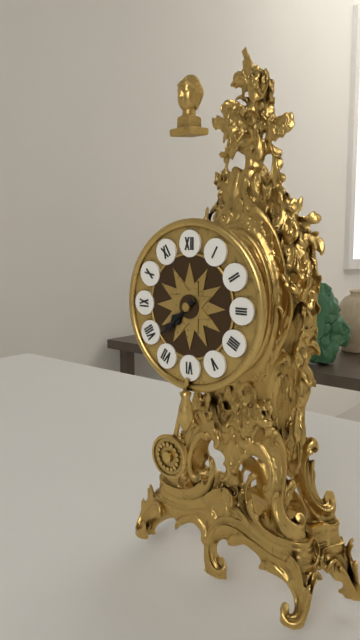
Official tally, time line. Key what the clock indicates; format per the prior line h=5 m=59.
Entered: h=7 m=38
